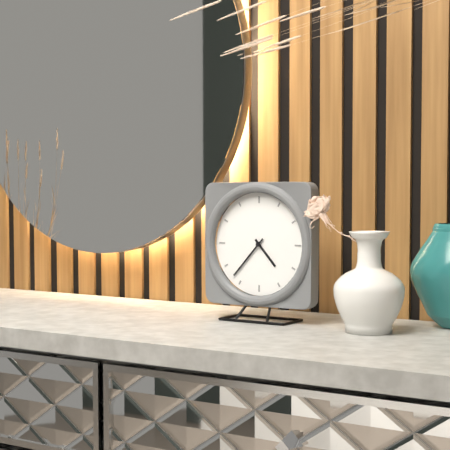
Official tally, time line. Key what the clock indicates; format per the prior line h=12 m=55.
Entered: h=4 m=37
